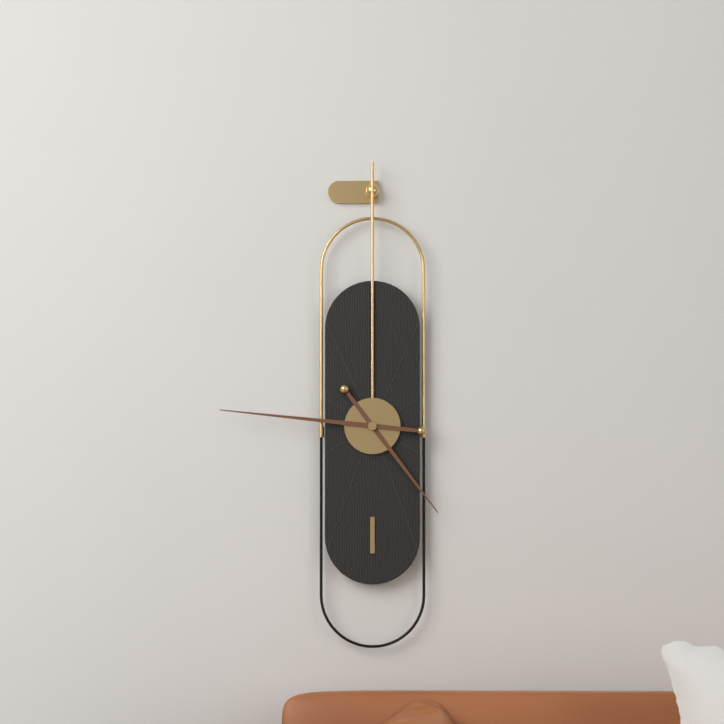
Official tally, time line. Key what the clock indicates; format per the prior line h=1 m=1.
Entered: h=4 m=46
